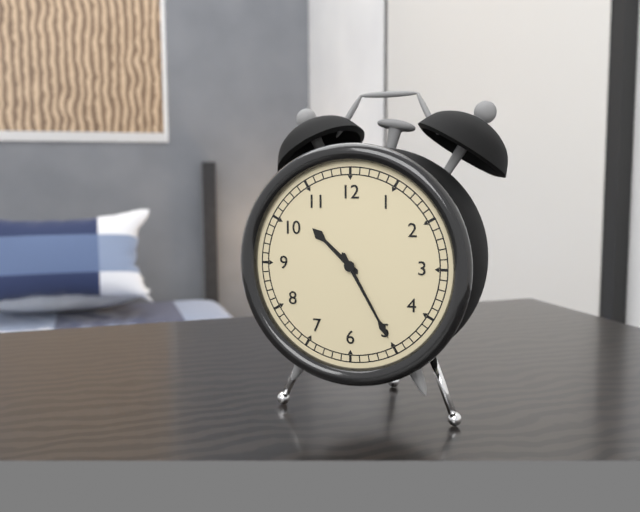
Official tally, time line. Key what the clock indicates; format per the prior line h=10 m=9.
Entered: h=10 m=25
